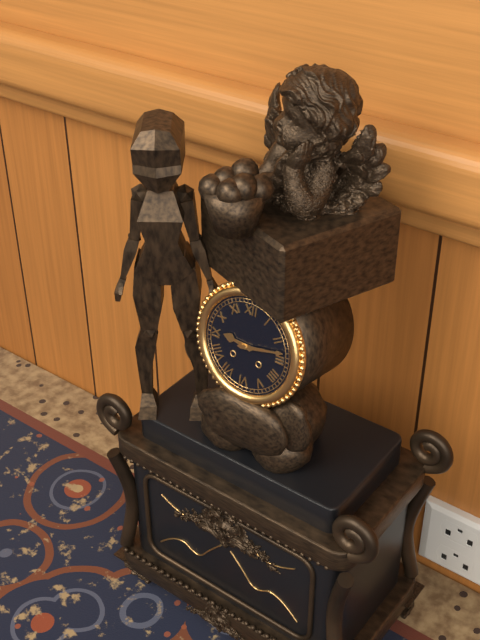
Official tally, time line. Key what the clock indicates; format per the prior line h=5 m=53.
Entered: h=9 m=13
